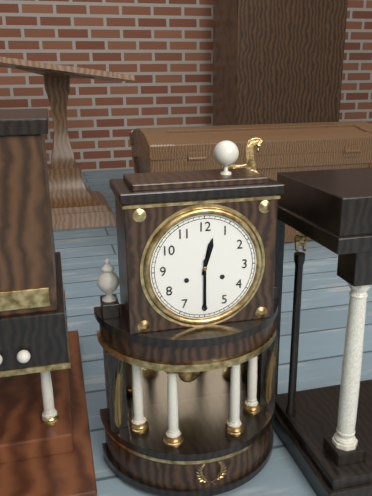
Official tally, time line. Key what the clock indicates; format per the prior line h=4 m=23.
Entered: h=12 m=30
